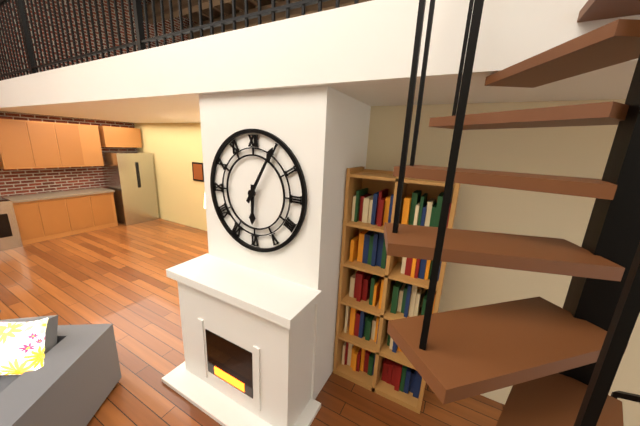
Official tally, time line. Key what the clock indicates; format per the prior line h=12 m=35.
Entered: h=6 m=5
